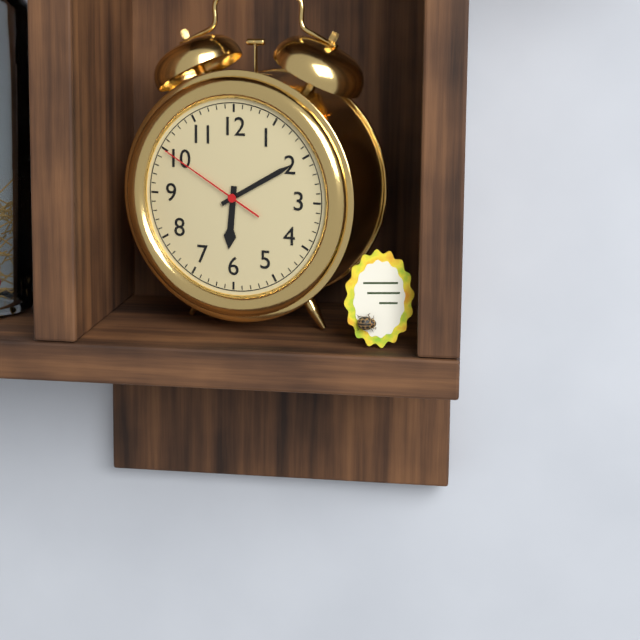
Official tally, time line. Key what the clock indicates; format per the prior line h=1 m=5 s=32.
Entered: h=6 m=10 s=50
